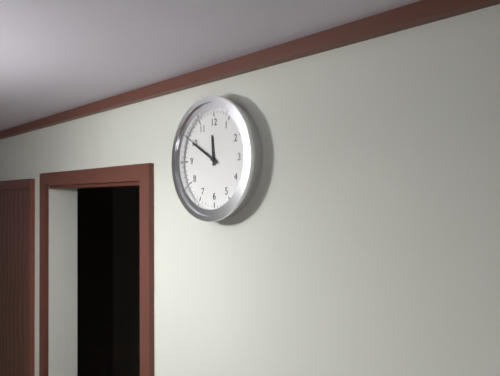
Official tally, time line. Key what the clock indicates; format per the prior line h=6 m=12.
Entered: h=11 m=50
